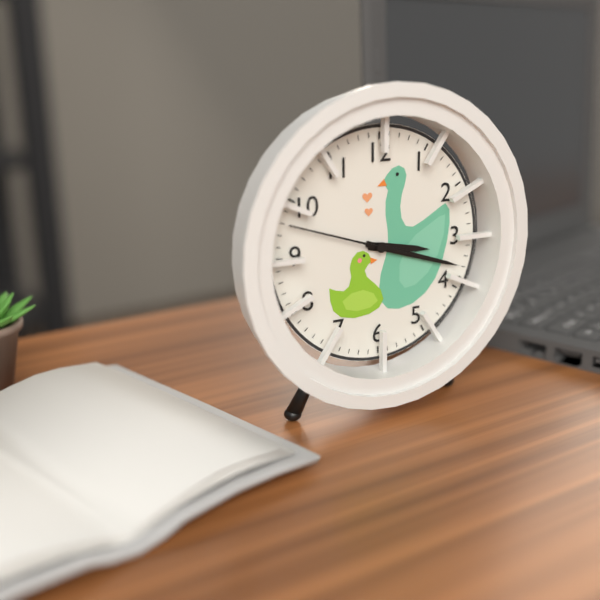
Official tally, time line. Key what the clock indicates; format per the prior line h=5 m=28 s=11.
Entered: h=3 m=18 s=48
